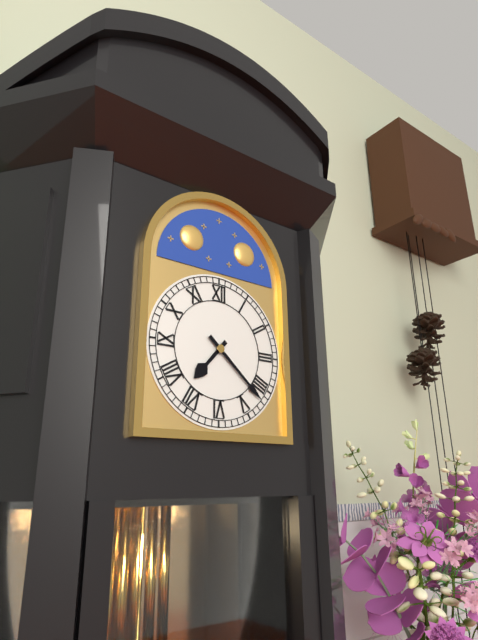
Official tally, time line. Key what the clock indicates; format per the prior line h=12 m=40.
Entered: h=7 m=22
